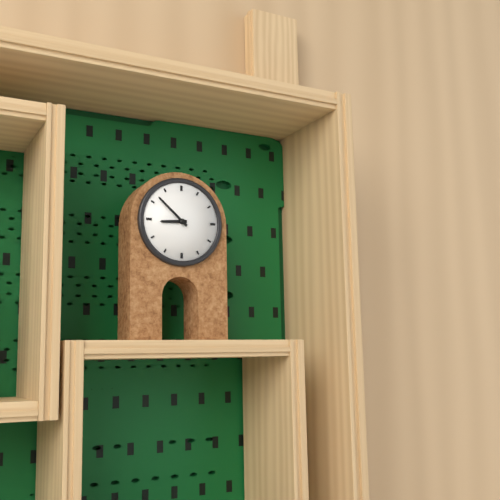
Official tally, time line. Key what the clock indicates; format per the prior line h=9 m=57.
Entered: h=8 m=52
